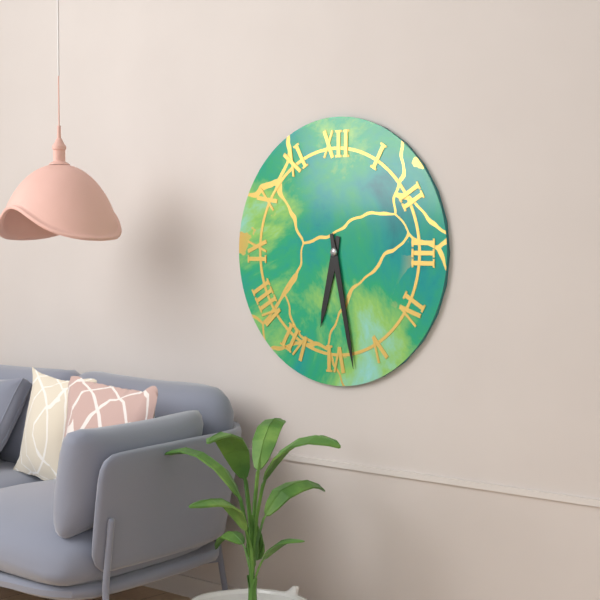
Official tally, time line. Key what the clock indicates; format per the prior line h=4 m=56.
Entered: h=6 m=28
